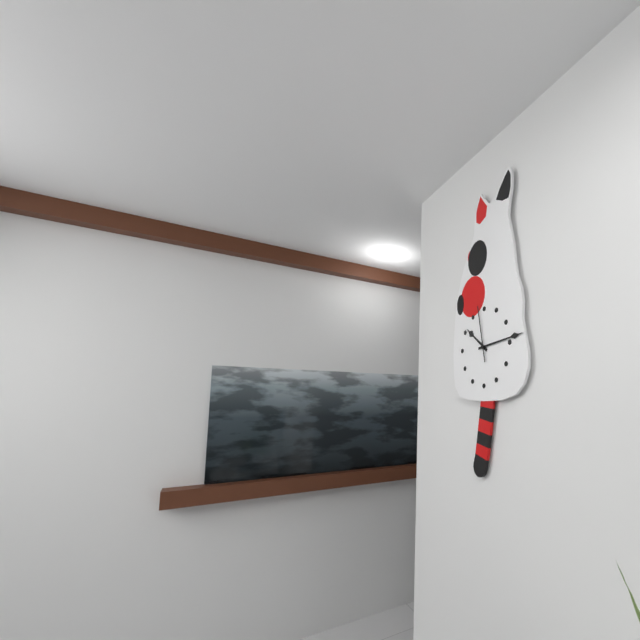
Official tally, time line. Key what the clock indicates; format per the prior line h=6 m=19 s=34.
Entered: h=10 m=14 s=58
